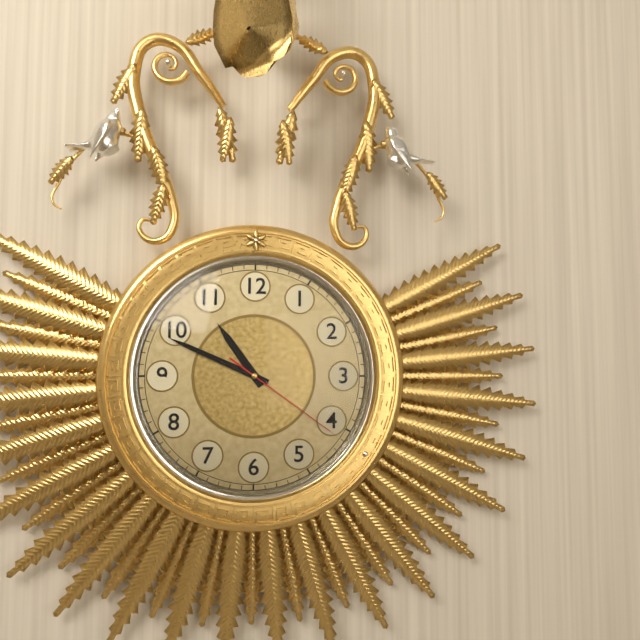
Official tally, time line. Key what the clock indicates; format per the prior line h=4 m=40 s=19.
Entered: h=10 m=49 s=21
